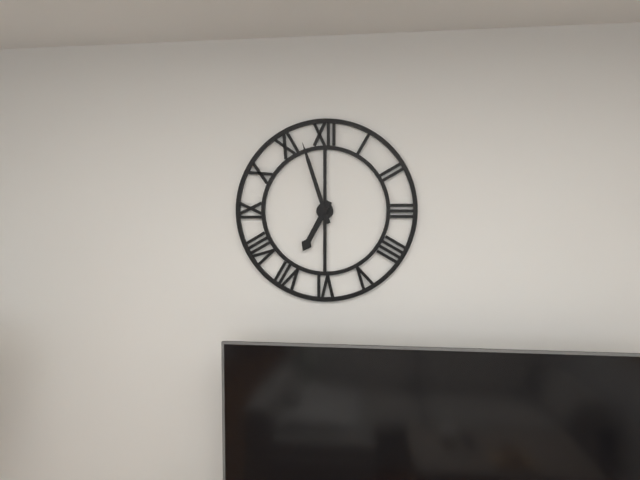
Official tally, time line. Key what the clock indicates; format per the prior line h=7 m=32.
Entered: h=6 m=57
